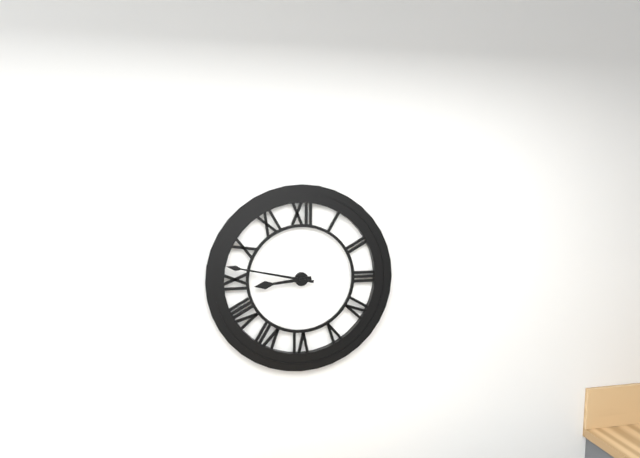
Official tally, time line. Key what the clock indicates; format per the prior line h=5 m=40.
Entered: h=8 m=47
